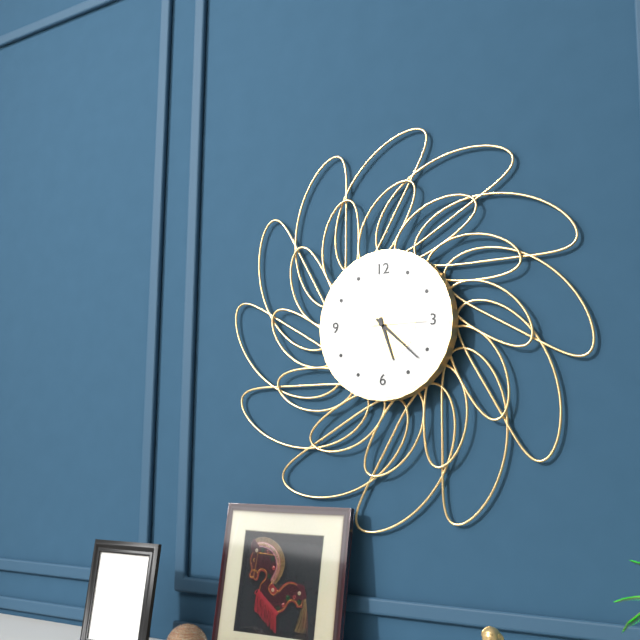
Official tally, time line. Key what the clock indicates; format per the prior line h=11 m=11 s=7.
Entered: h=5 m=22 s=15
